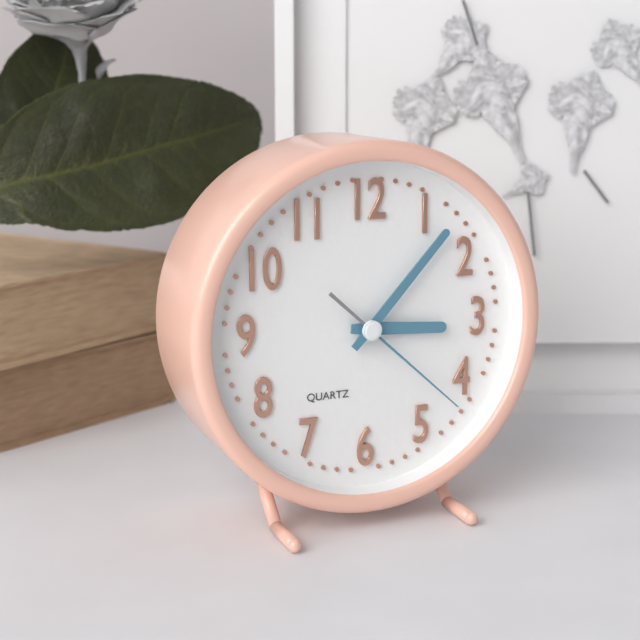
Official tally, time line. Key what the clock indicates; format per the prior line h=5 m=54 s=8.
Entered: h=3 m=7 s=22
